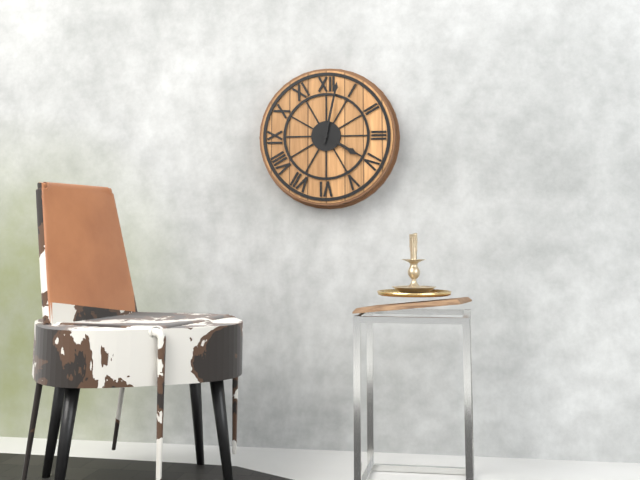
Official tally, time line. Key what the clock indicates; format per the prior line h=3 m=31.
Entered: h=4 m=2
